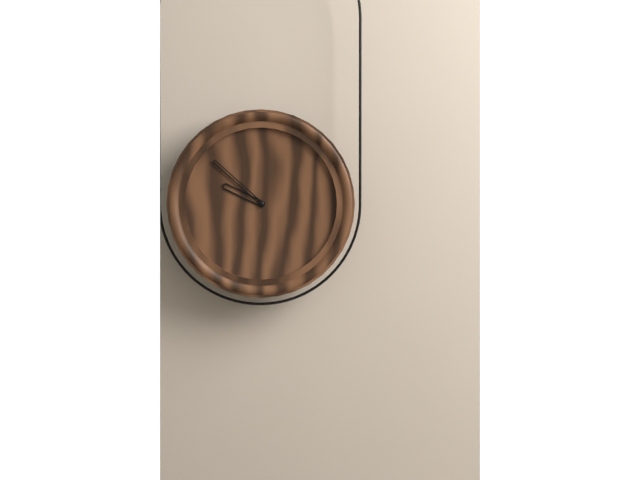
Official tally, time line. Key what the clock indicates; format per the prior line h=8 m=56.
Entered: h=9 m=52
